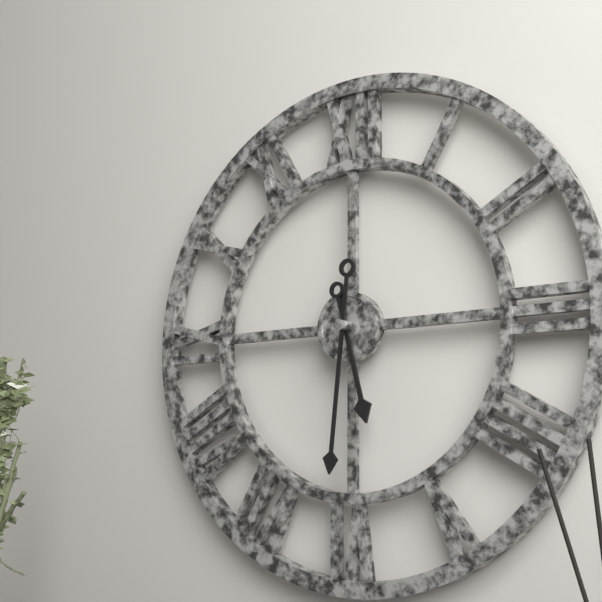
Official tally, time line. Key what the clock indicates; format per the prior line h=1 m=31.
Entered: h=5 m=31
